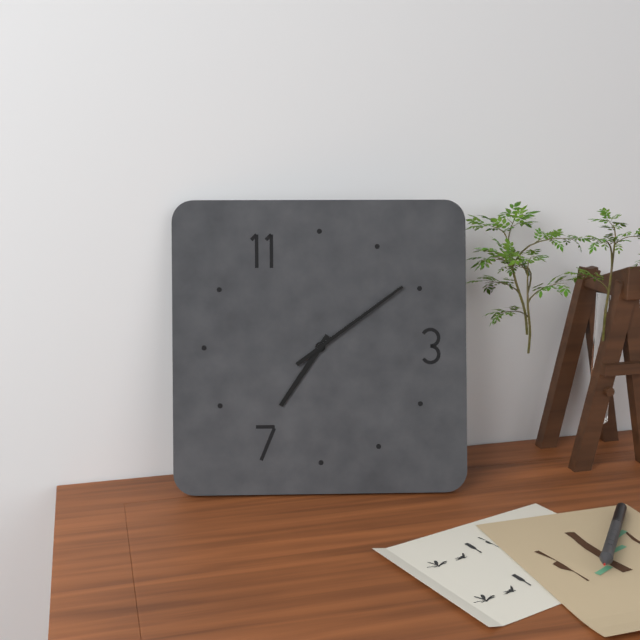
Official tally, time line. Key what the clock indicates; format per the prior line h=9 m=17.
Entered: h=7 m=9
